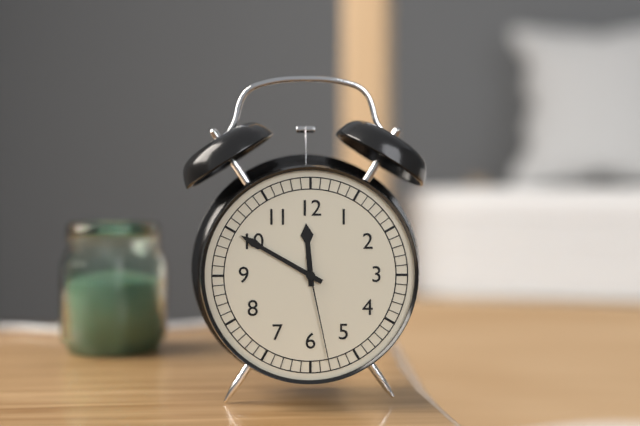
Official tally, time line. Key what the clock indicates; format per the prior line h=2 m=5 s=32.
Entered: h=11 m=50 s=28
